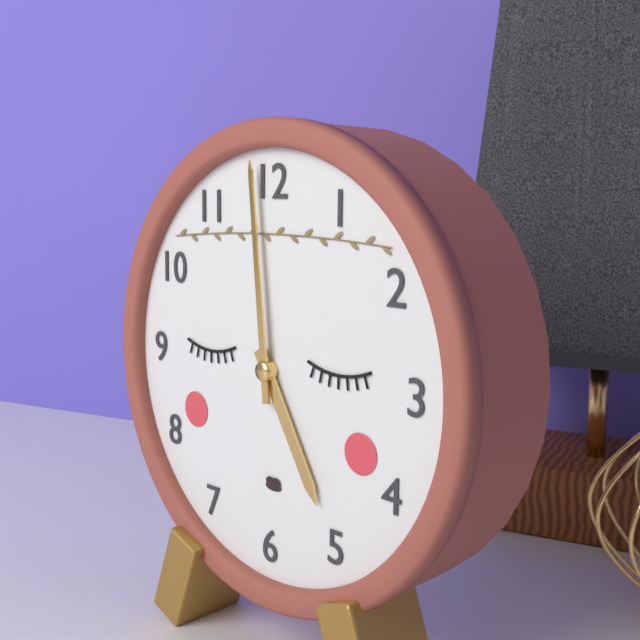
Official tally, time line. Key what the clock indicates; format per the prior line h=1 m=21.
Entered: h=4 m=59
